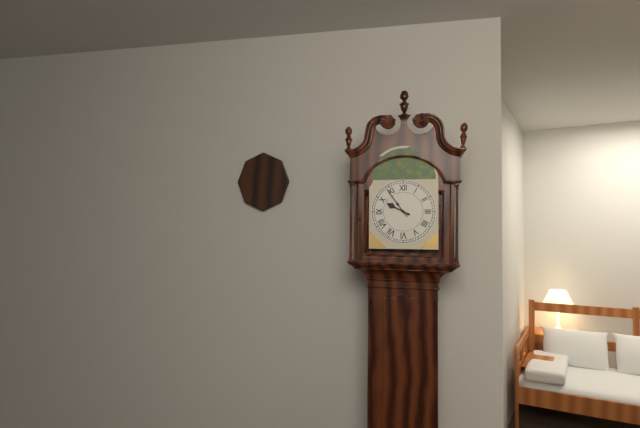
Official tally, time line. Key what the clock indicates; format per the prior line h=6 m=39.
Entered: h=9 m=54
